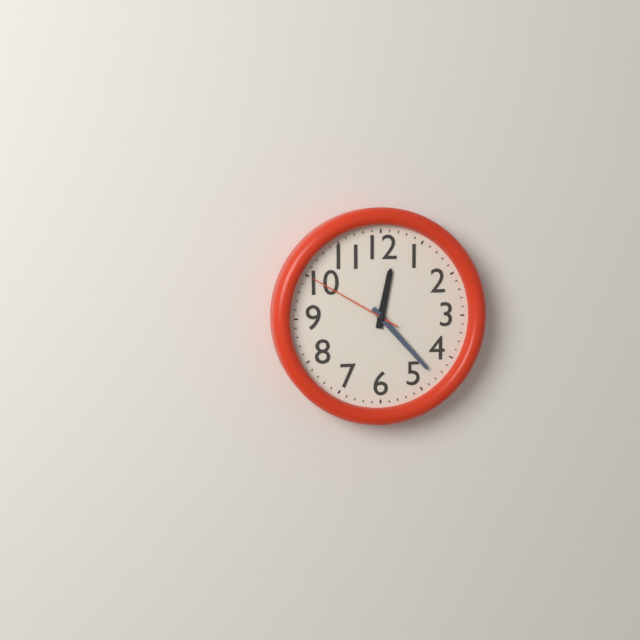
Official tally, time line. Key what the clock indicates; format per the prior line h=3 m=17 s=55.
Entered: h=12 m=23 s=50
